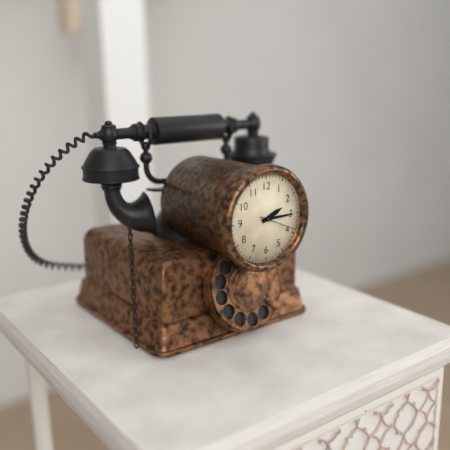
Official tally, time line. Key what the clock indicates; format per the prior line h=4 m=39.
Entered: h=2 m=15
